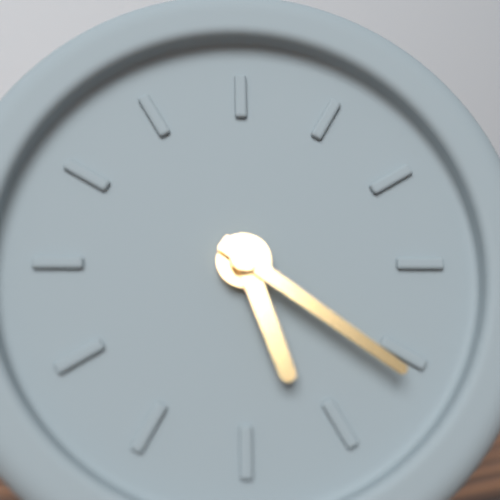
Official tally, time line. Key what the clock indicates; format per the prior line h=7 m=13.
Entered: h=5 m=21
